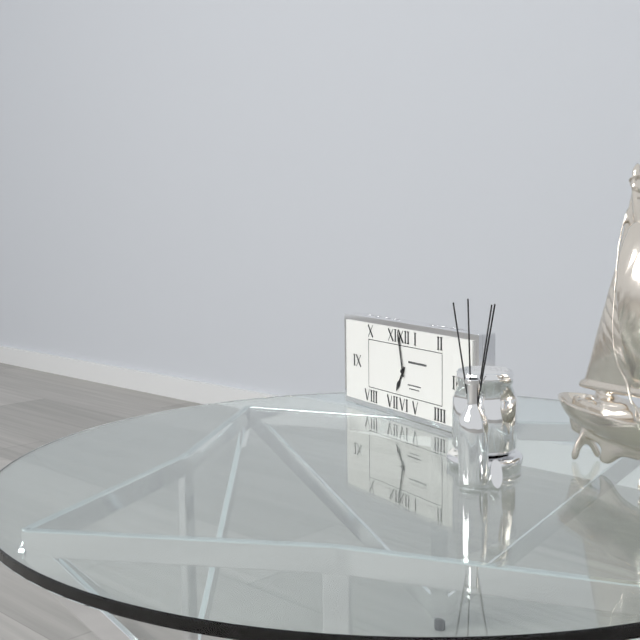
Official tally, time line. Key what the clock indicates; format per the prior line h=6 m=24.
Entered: h=6 m=58
